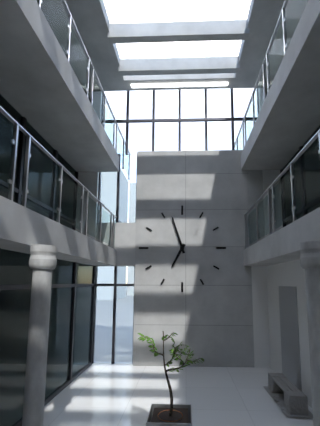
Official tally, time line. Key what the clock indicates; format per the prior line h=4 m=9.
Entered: h=6 m=57
